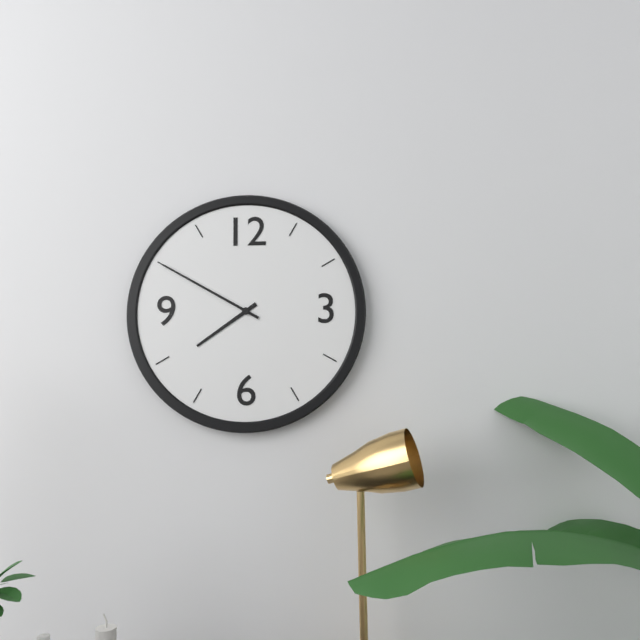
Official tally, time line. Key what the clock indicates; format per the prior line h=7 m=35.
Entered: h=7 m=50
